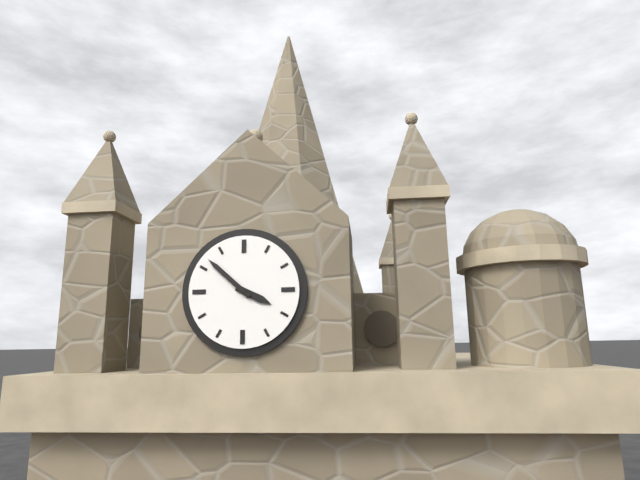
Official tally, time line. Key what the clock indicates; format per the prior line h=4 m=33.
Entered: h=3 m=52
